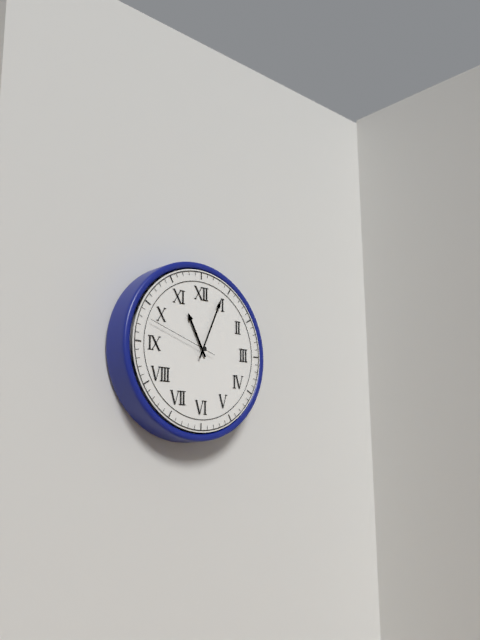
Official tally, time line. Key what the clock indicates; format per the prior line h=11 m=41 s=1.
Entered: h=11 m=4 s=48
